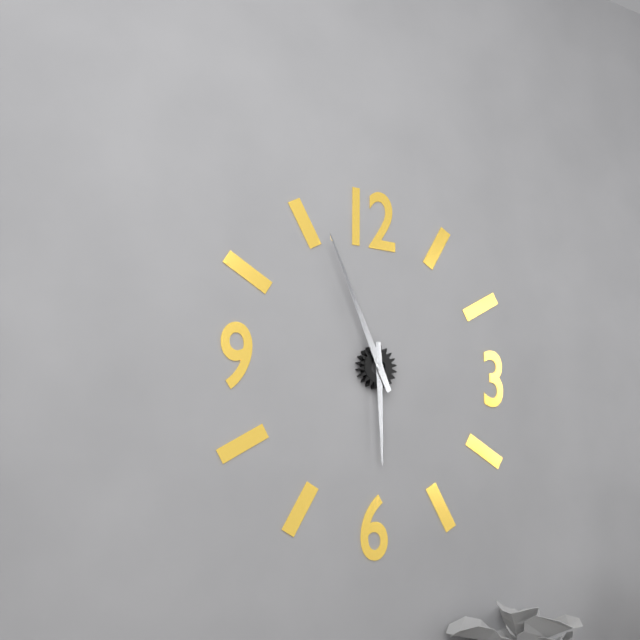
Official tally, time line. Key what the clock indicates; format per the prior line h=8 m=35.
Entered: h=5 m=56
